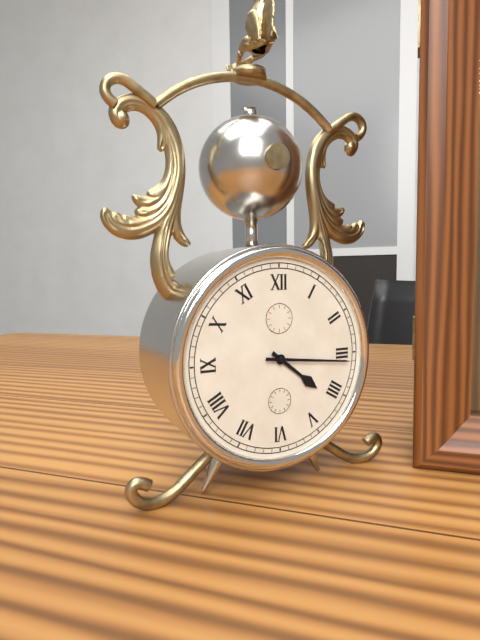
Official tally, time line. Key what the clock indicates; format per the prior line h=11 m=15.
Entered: h=4 m=16
